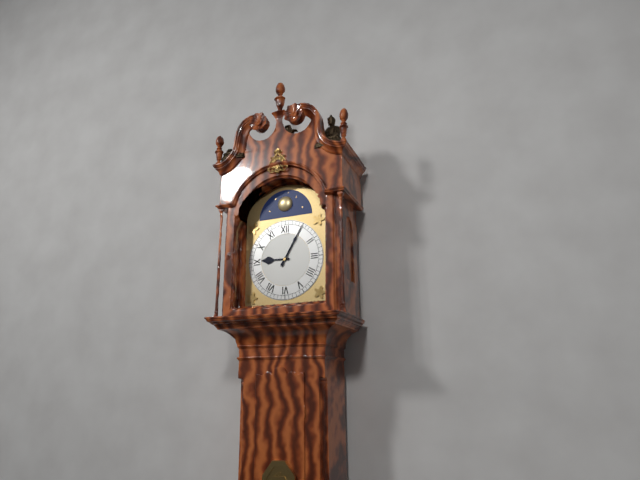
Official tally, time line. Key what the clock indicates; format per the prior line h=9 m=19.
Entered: h=9 m=5
